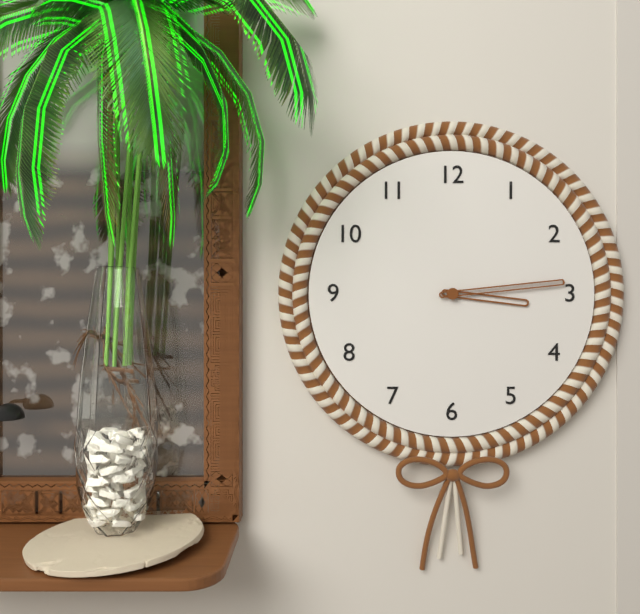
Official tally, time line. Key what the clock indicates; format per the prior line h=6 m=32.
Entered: h=3 m=14
